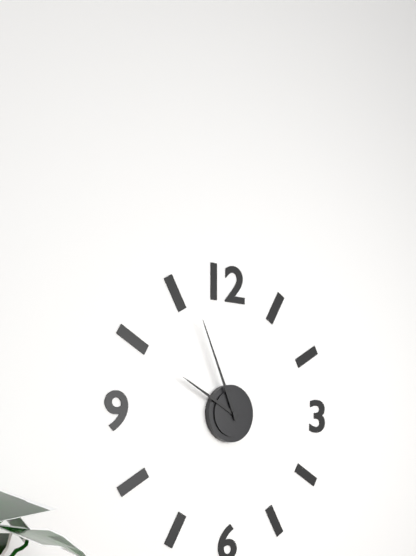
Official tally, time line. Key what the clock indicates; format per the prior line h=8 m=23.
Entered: h=9 m=56
